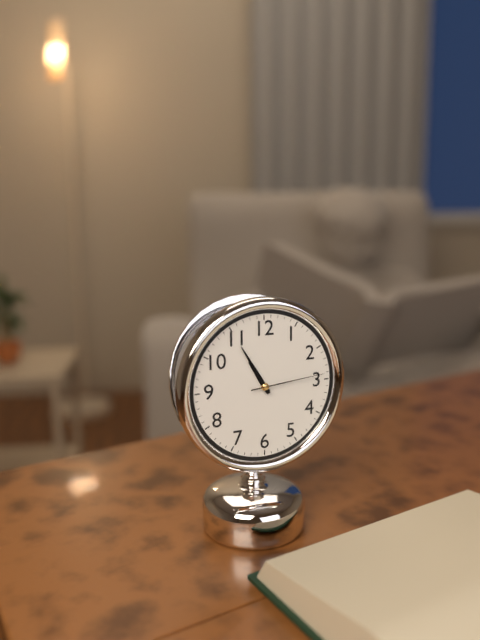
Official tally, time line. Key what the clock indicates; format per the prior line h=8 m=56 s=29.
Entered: h=10 m=55 s=14
